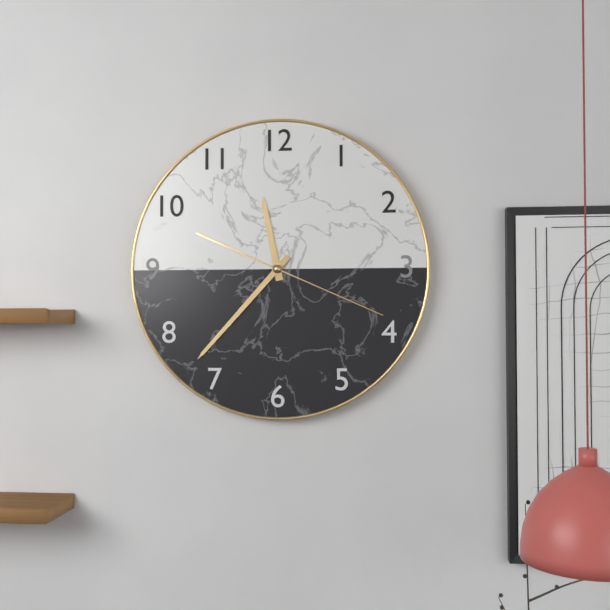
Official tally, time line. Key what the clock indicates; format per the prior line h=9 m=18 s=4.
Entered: h=11 m=37 s=19
